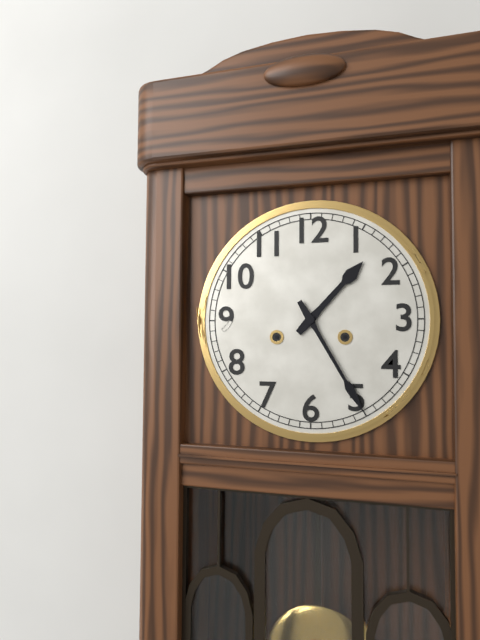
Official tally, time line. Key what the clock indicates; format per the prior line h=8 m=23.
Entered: h=1 m=25
